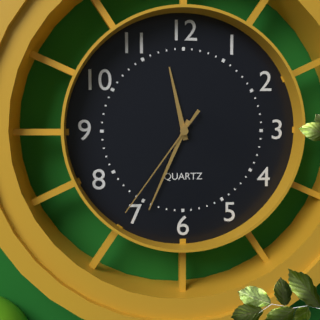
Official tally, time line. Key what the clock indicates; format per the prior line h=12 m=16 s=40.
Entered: h=11 m=34 s=36
